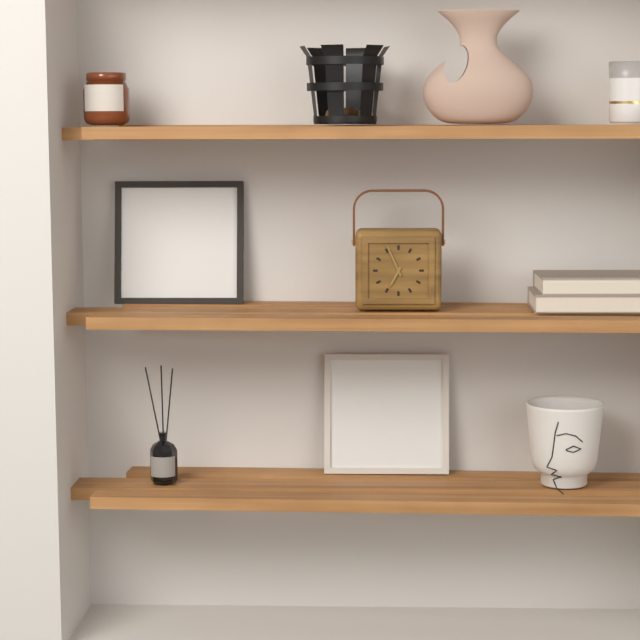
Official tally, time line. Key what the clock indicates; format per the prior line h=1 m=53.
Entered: h=6 m=56
